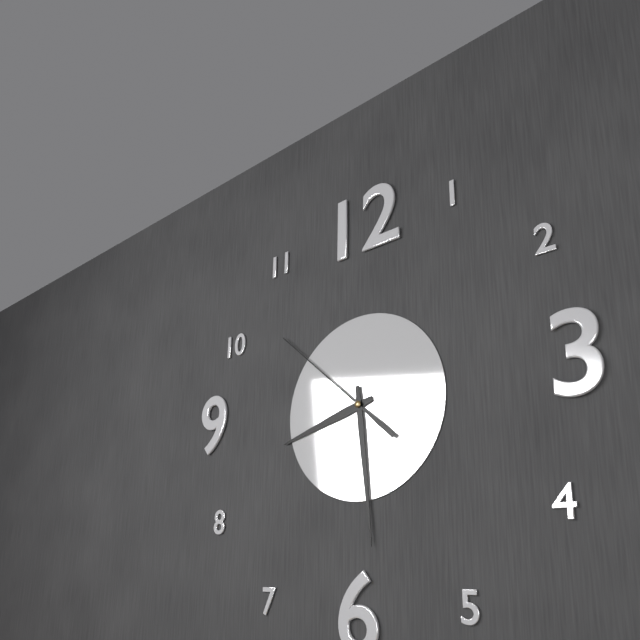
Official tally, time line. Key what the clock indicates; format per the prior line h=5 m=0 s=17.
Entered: h=8 m=29 s=52
